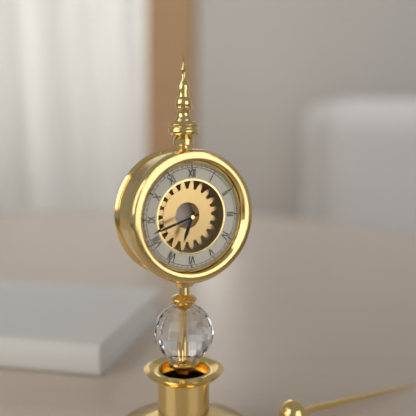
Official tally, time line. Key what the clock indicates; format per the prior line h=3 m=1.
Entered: h=6 m=42
